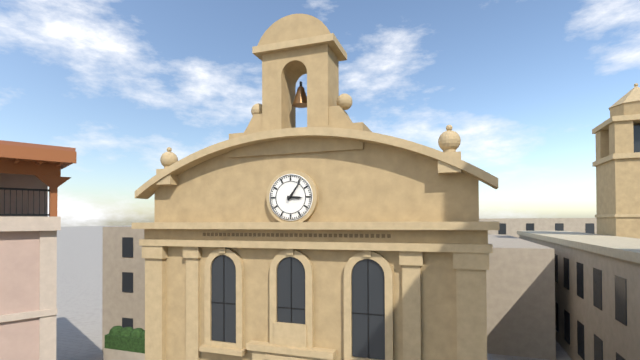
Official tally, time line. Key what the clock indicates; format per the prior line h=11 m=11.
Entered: h=3 m=6
